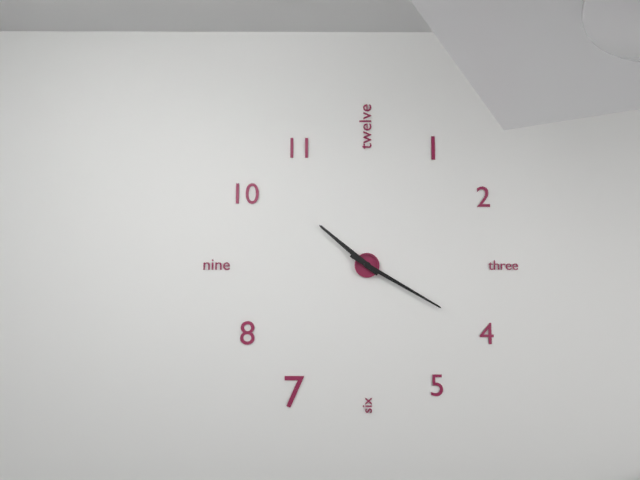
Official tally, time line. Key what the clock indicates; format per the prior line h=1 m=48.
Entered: h=10 m=20
